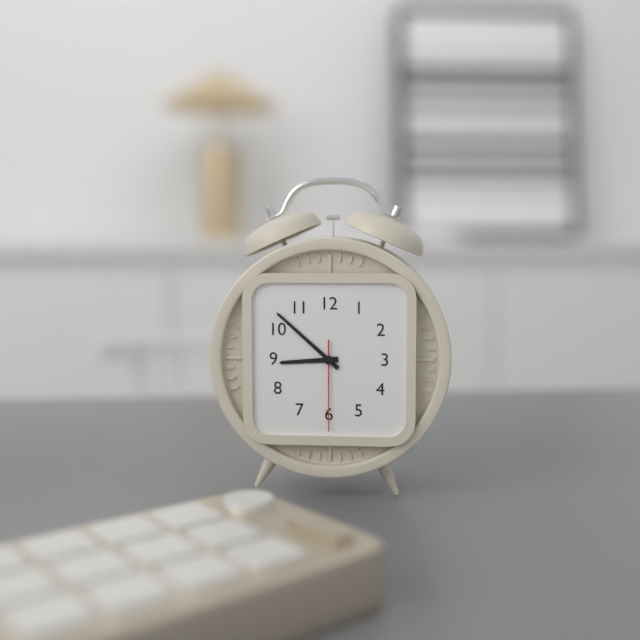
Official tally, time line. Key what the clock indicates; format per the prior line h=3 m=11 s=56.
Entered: h=8 m=52 s=30
